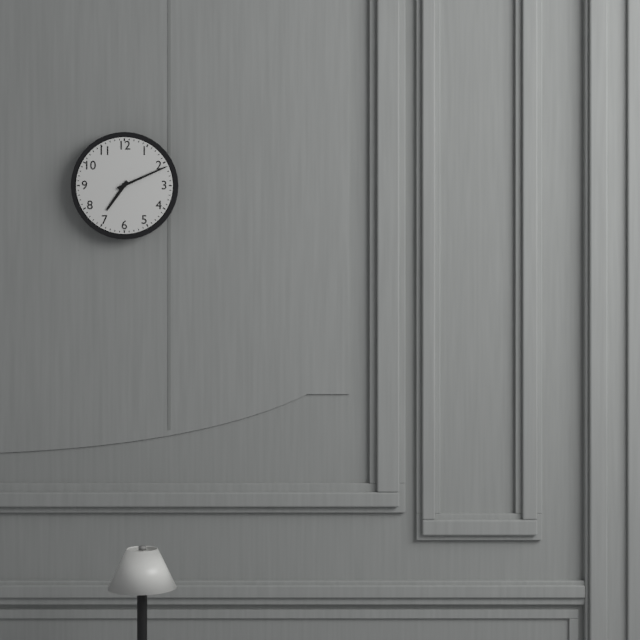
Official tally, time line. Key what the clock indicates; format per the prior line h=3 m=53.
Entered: h=7 m=11
